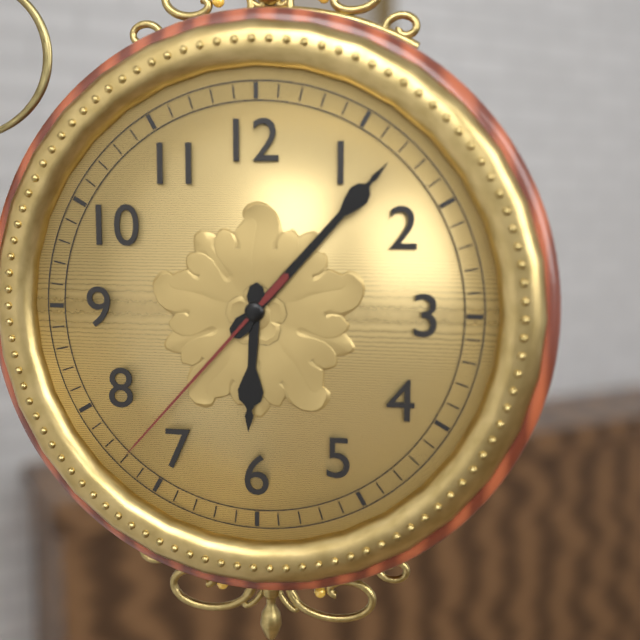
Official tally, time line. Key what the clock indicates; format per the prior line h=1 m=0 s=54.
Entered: h=6 m=7 s=37
